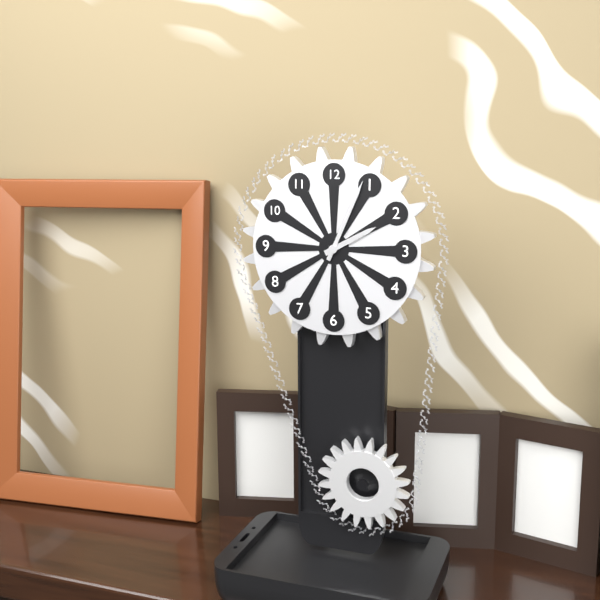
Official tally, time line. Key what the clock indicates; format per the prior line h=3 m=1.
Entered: h=2 m=4
